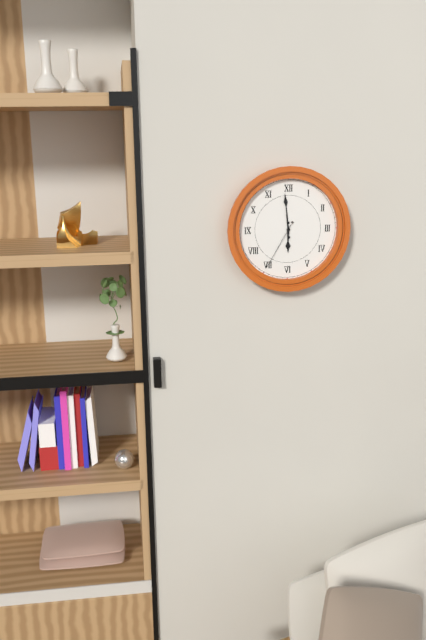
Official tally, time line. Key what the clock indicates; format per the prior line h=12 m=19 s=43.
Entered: h=5 m=59 s=35
